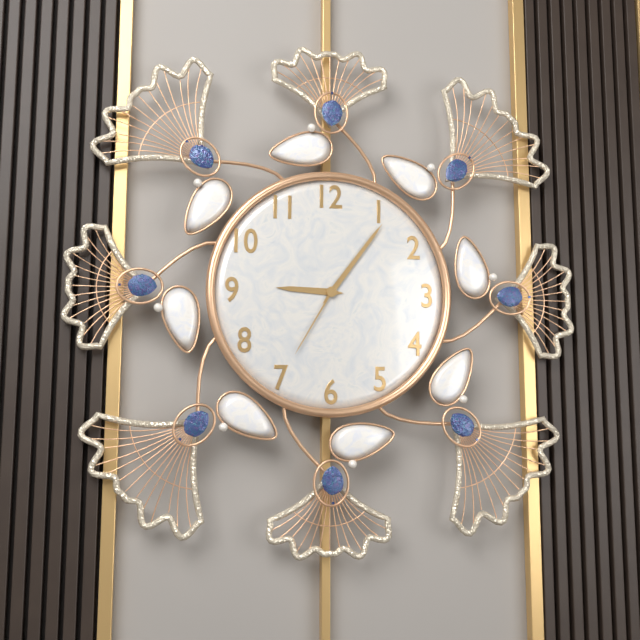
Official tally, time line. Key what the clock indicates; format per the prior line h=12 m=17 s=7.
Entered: h=9 m=6 s=35
